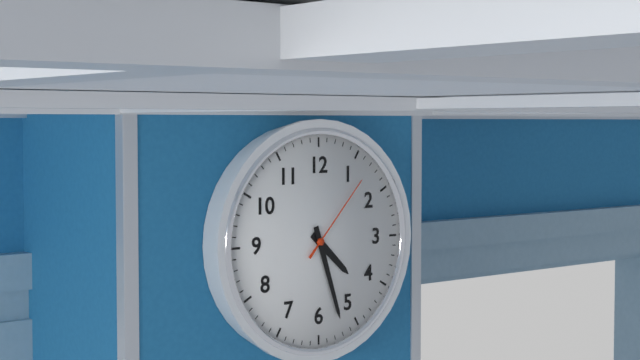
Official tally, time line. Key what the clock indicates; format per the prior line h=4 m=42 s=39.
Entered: h=4 m=27 s=7
